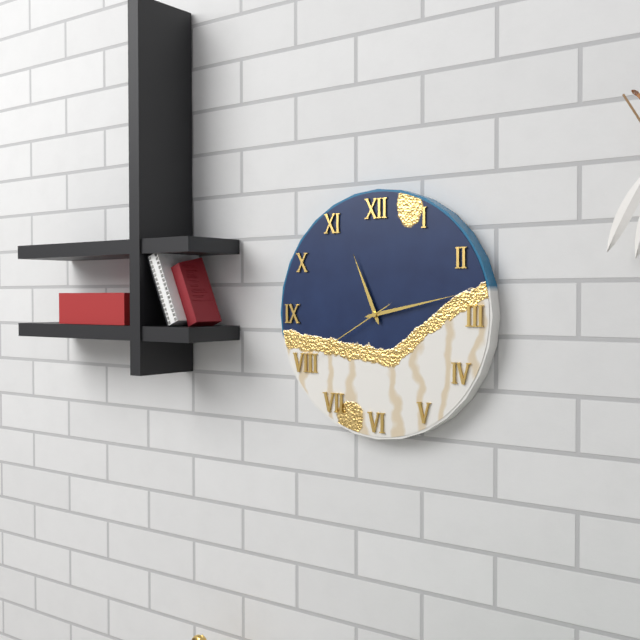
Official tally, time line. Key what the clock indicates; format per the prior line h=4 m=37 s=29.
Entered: h=11 m=13 s=40
